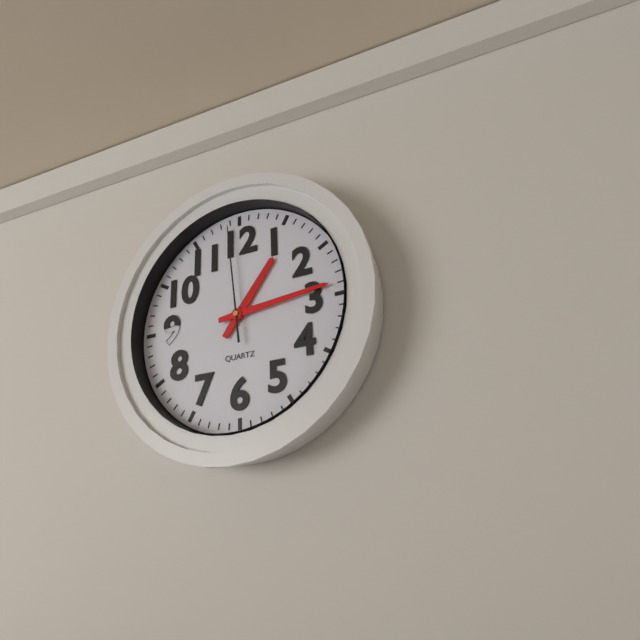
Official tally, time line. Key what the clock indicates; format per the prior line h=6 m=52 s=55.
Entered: h=1 m=14 s=59
